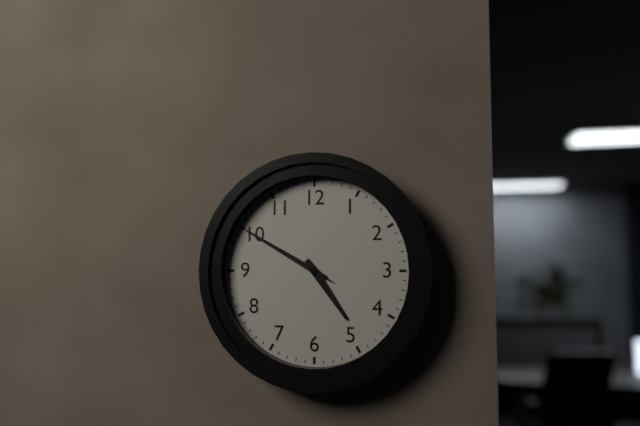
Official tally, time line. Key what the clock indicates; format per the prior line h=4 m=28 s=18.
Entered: h=4 m=50 s=50
